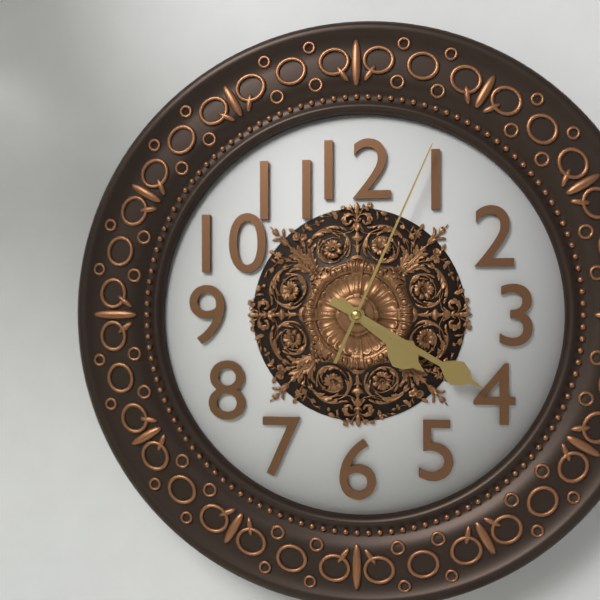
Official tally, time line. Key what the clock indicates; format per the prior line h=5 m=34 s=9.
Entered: h=4 m=20 s=4
